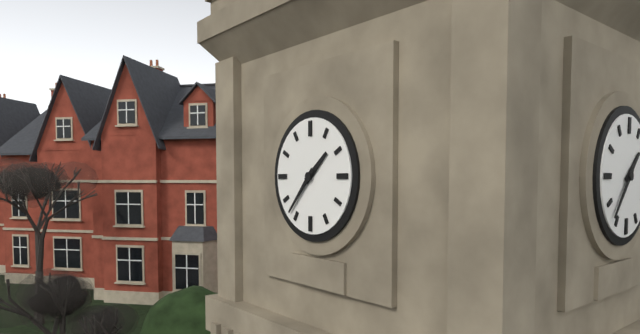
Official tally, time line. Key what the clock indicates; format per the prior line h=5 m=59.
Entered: h=1 m=37
